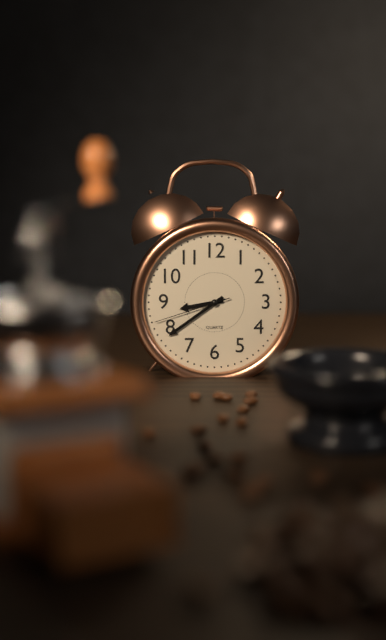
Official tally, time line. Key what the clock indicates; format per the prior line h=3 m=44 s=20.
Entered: h=8 m=39 s=42
